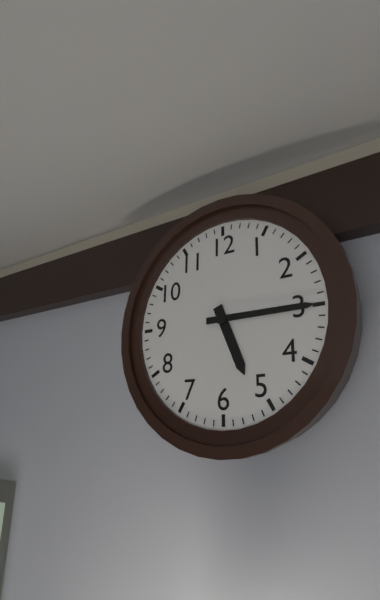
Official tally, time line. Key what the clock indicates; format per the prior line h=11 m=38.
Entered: h=5 m=15
